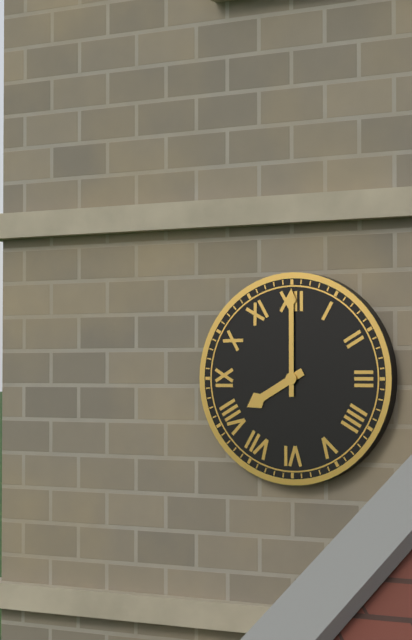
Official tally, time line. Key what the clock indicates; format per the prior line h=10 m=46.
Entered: h=8 m=0
